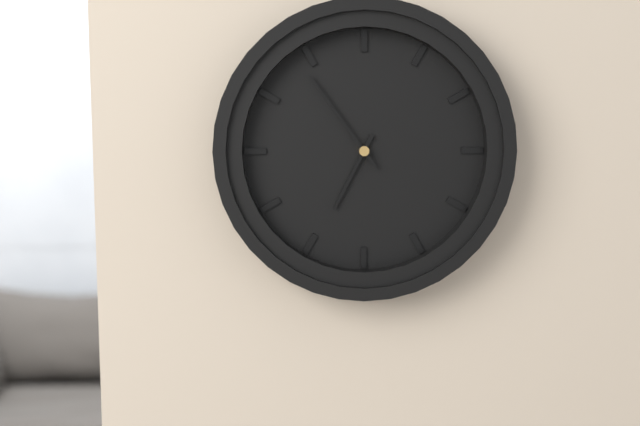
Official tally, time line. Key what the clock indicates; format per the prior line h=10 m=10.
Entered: h=6 m=54
